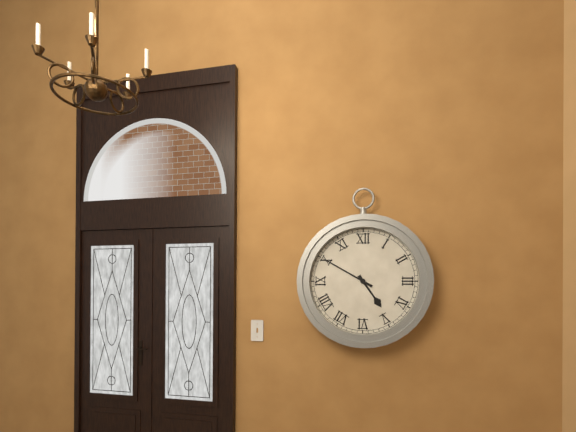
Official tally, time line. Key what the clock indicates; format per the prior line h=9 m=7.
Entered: h=4 m=50
